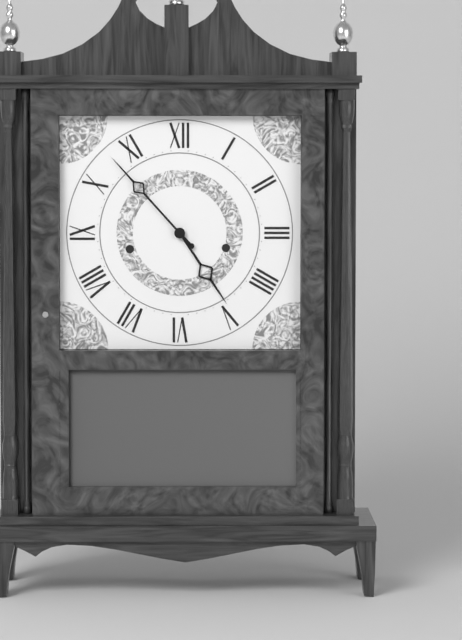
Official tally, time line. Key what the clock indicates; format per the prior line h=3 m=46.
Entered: h=4 m=53
